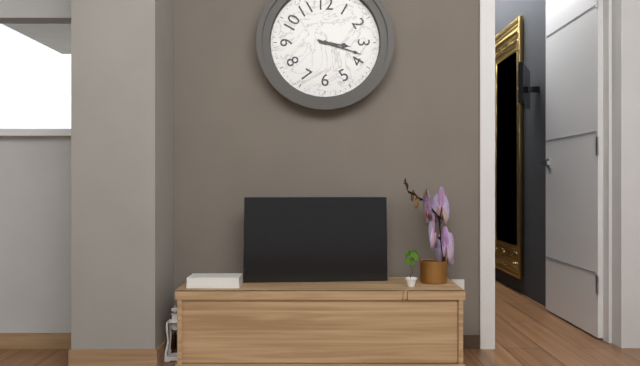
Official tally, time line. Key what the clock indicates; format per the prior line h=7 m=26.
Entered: h=3 m=18
